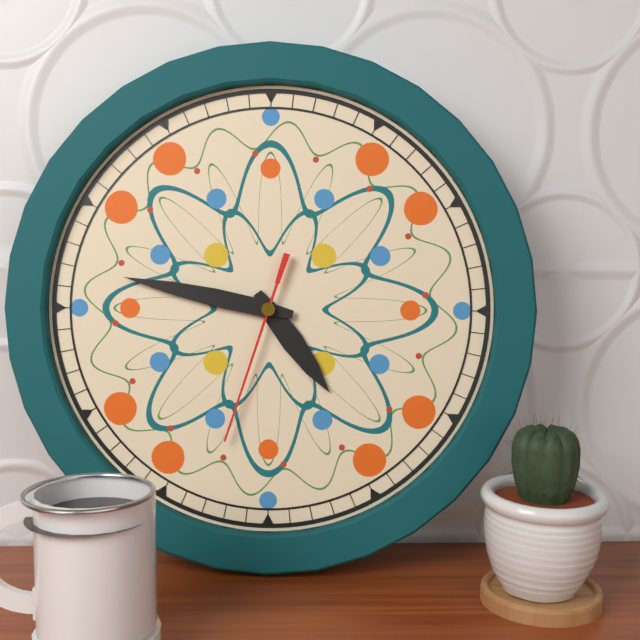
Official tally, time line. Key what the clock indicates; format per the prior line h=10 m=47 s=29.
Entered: h=4 m=47 s=33
